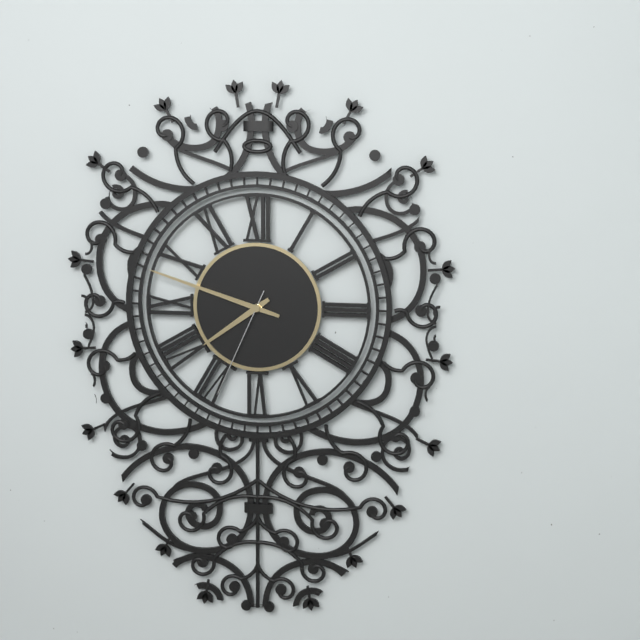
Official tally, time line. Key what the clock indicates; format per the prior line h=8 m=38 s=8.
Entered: h=7 m=48 s=34
